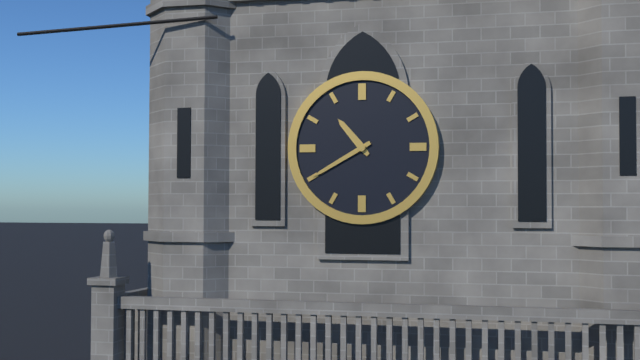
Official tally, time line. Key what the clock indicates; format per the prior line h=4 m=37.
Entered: h=10 m=40
